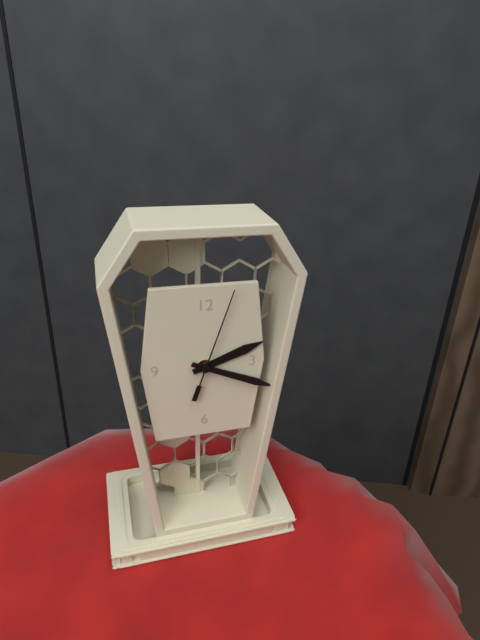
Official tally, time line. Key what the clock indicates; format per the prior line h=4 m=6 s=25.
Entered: h=2 m=19 s=3
